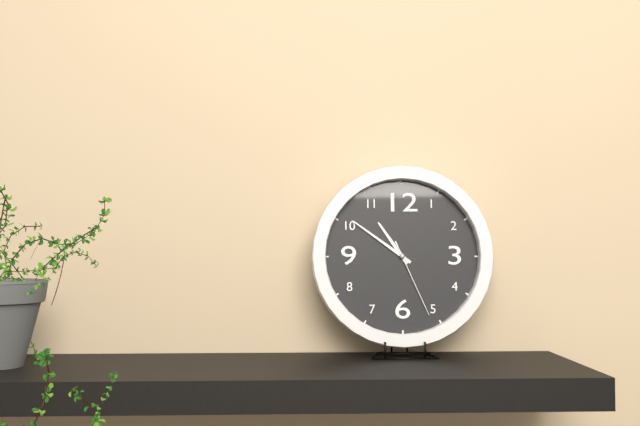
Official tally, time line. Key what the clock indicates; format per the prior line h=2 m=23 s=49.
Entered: h=10 m=51 s=26
